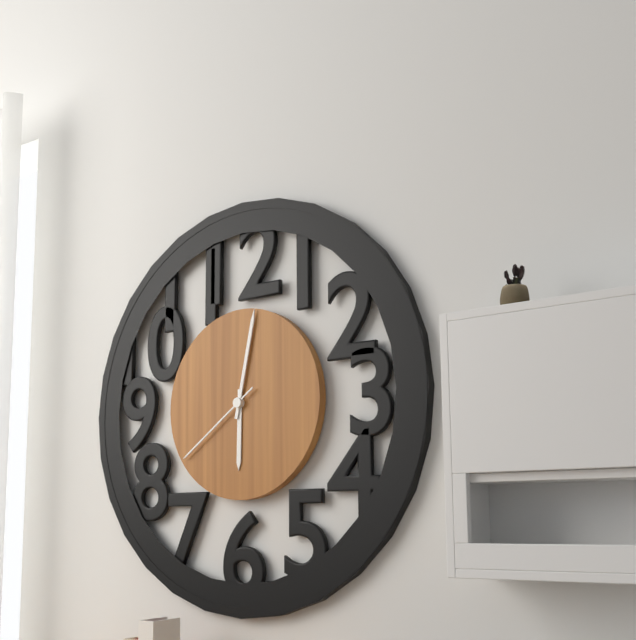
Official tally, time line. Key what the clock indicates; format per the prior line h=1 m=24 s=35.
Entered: h=6 m=2 s=39
